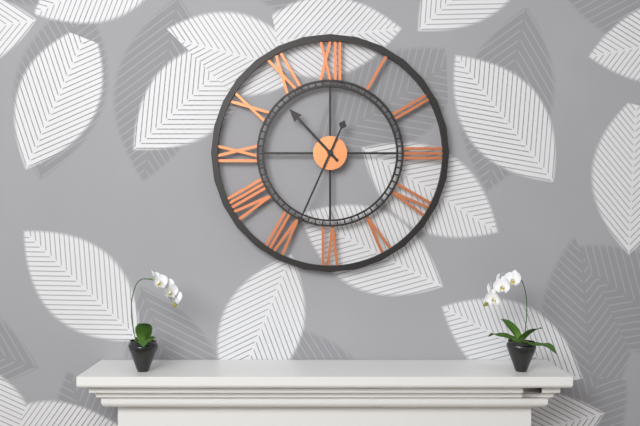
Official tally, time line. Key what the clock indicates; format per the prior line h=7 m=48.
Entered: h=10 m=34
